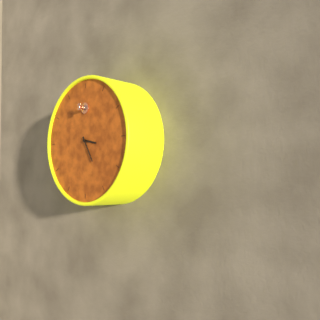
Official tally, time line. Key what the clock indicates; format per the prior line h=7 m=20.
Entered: h=3 m=25
